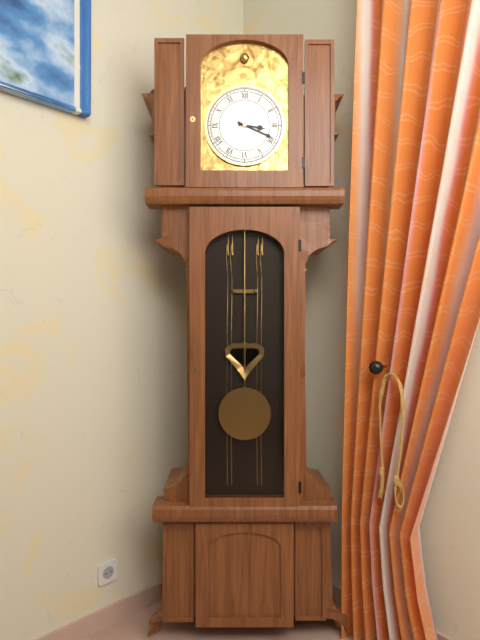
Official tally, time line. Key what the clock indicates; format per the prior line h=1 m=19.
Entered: h=3 m=19
